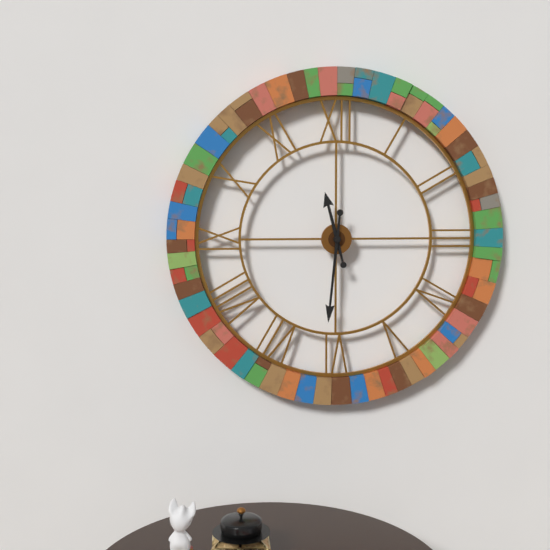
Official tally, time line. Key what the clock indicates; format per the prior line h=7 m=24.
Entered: h=11 m=31
